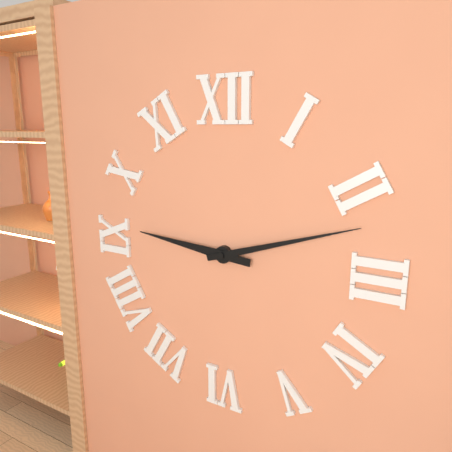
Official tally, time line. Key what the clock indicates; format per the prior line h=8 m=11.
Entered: h=9 m=12
